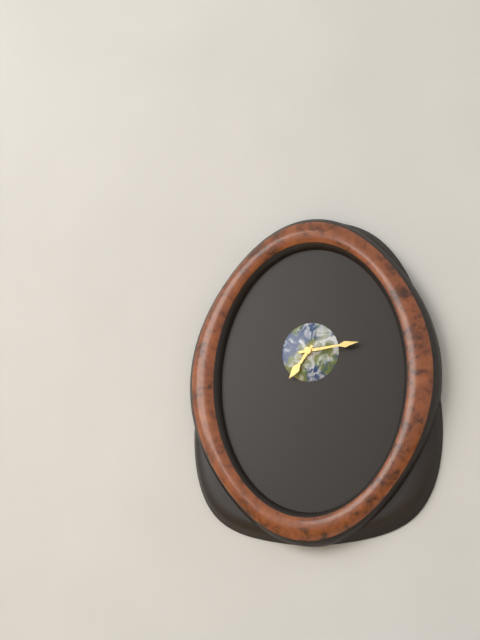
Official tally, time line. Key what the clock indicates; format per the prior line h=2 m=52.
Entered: h=7 m=14
